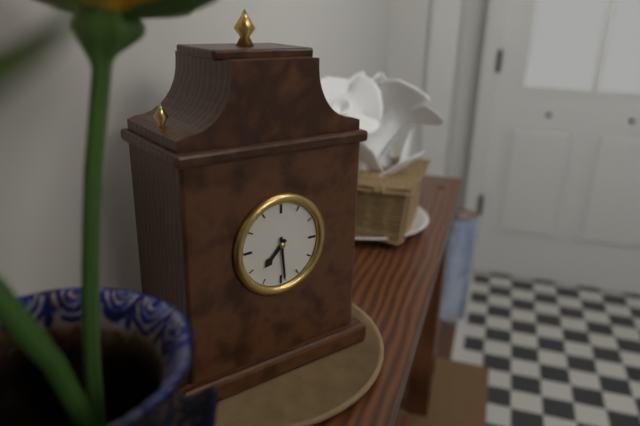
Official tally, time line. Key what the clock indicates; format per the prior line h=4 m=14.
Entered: h=7 m=29
